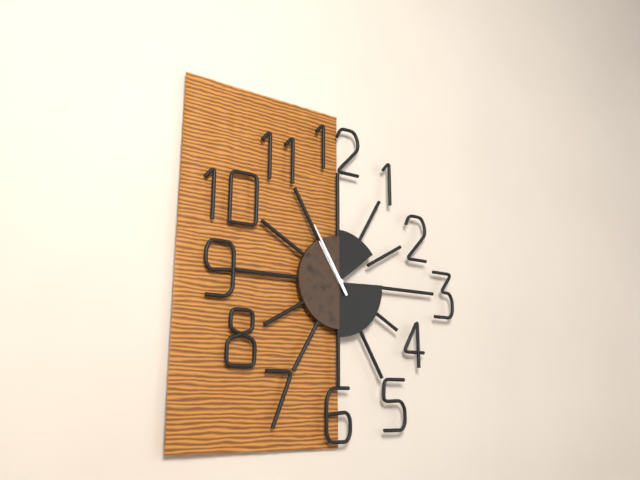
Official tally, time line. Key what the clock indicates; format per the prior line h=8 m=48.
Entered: h=10 m=55
